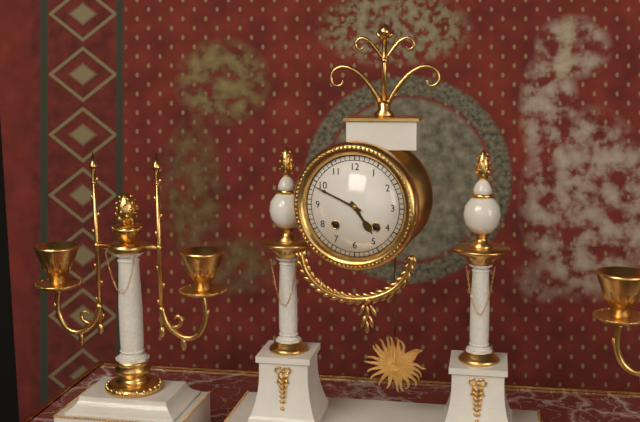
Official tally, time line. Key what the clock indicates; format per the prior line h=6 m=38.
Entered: h=4 m=49
